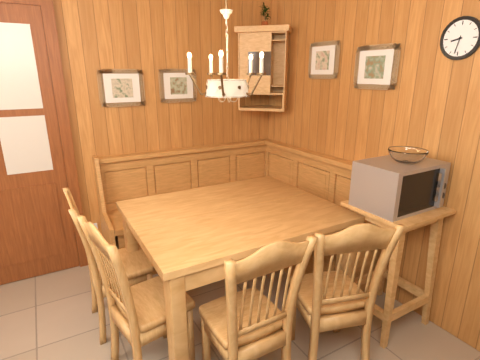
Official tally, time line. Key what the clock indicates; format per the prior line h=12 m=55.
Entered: h=8 m=32
